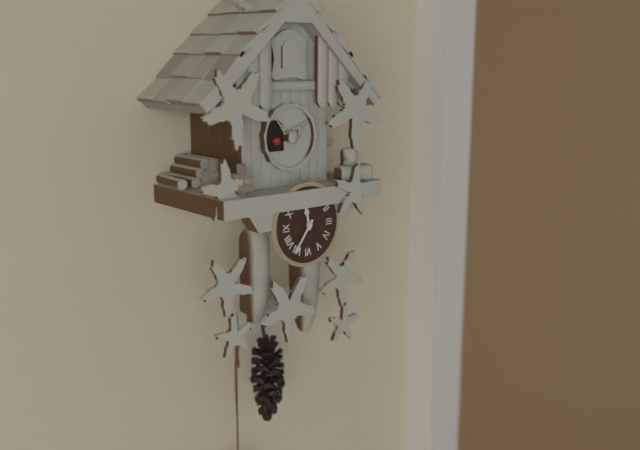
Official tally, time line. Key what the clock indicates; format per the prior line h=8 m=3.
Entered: h=11 m=36
